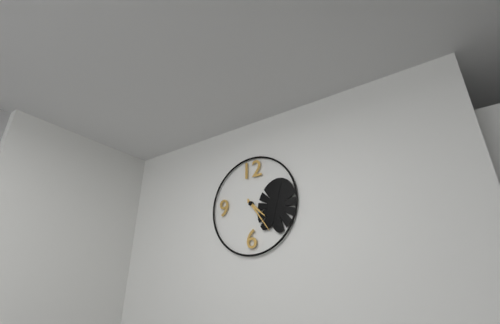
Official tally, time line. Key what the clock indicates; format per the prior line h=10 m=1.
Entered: h=4 m=24
